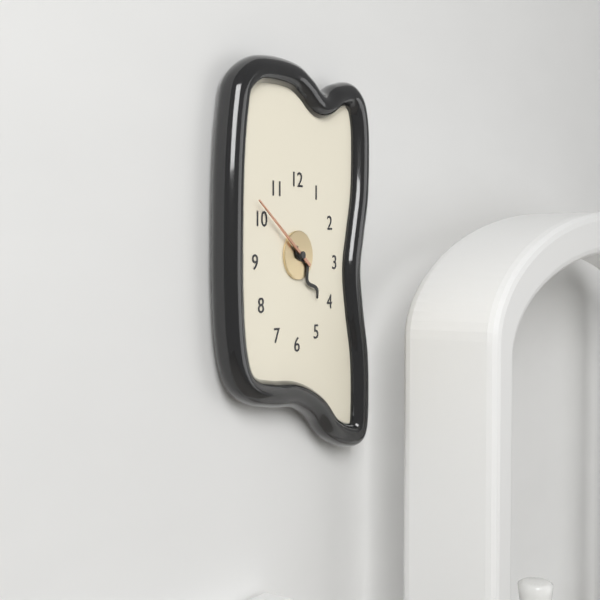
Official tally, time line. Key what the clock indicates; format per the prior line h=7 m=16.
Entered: h=4 m=51
